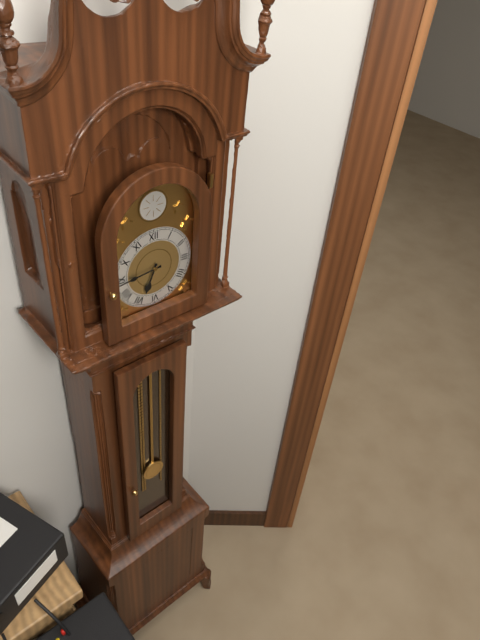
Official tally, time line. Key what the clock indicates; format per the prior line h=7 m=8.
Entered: h=6 m=44
